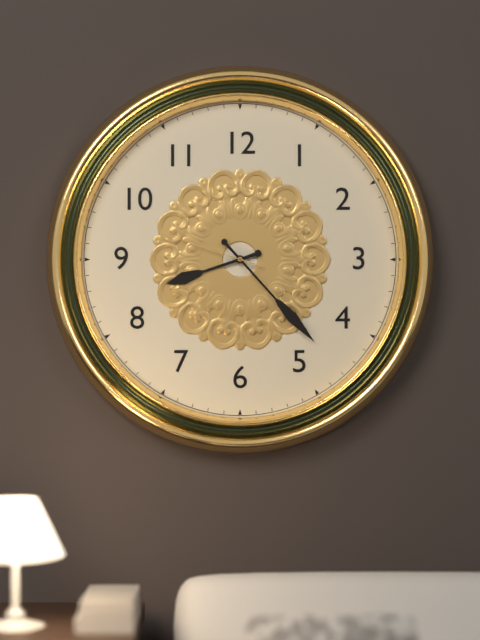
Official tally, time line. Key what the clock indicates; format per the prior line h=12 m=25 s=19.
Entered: h=8 m=23 s=48
